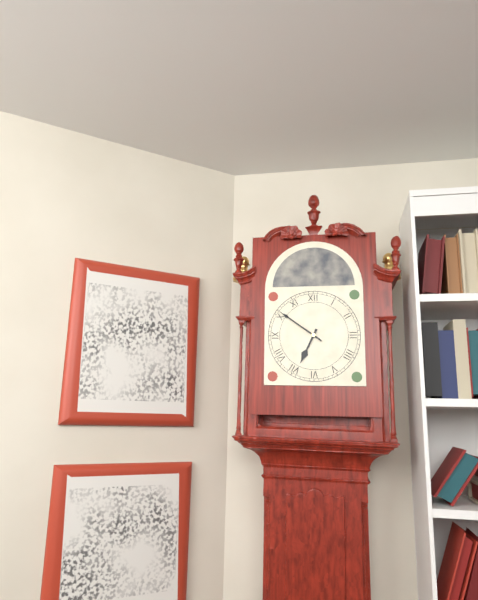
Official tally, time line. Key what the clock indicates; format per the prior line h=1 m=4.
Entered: h=6 m=51
